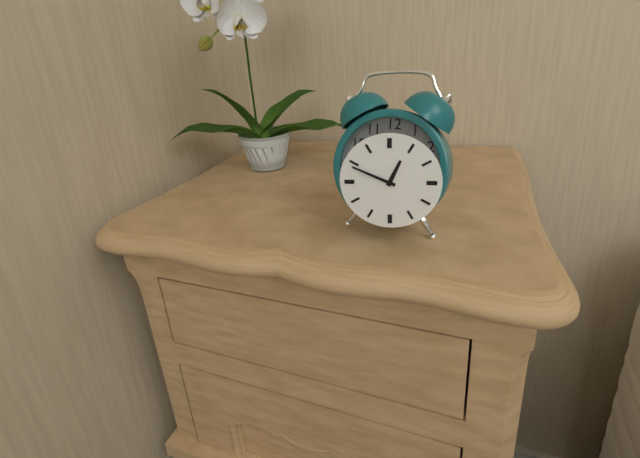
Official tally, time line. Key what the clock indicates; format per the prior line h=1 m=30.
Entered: h=12 m=49
